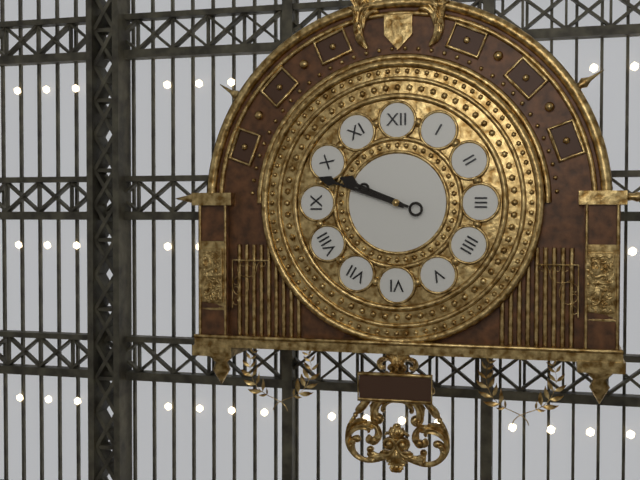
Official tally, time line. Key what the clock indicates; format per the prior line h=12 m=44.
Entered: h=9 m=48
